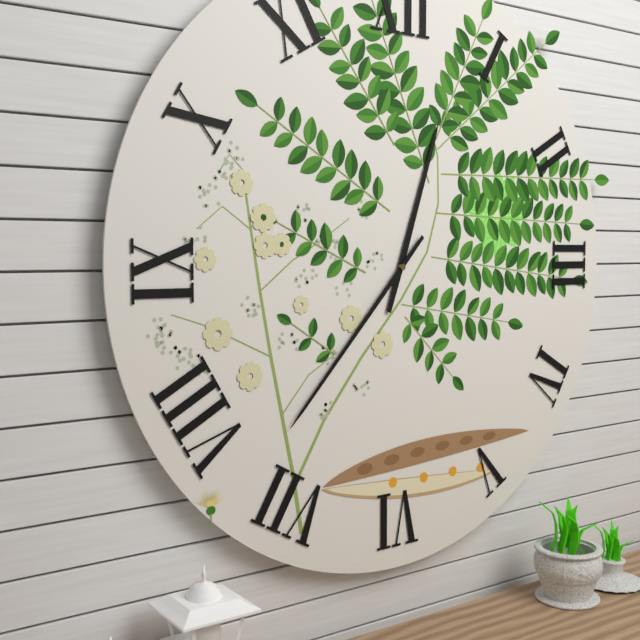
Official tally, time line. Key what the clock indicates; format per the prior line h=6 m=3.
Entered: h=12 m=37
